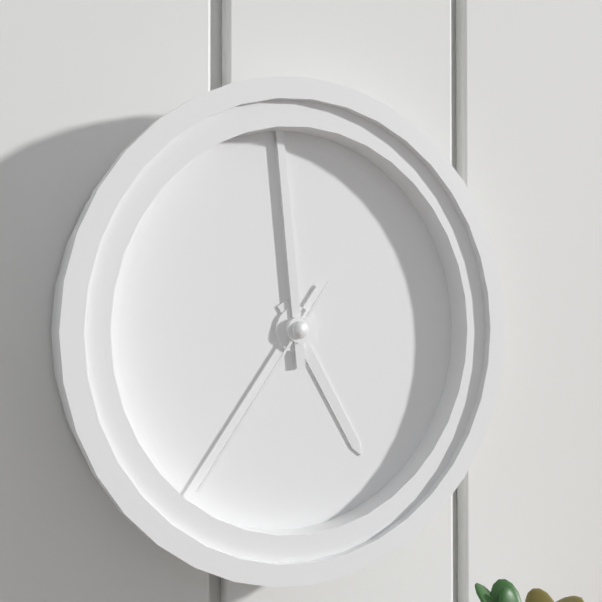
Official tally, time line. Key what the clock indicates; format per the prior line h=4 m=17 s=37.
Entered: h=4 m=59 s=36
